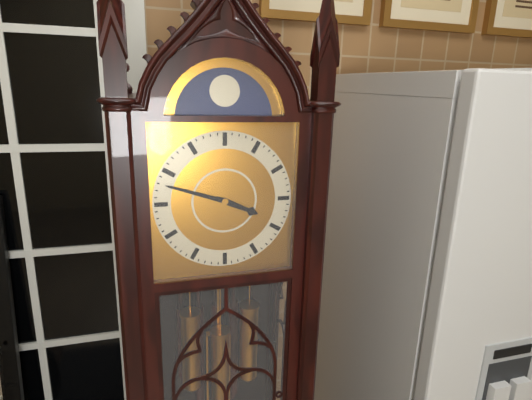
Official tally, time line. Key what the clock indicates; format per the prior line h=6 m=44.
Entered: h=3 m=48
